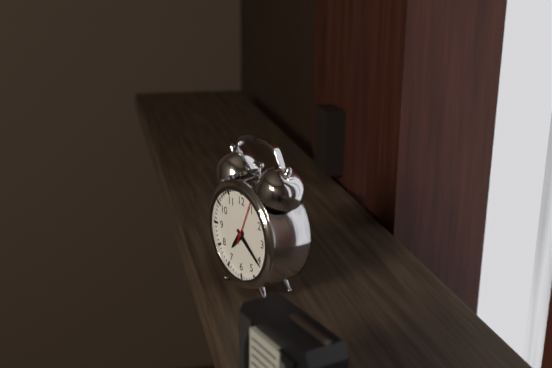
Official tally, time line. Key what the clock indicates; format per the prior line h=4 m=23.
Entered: h=7 m=21
